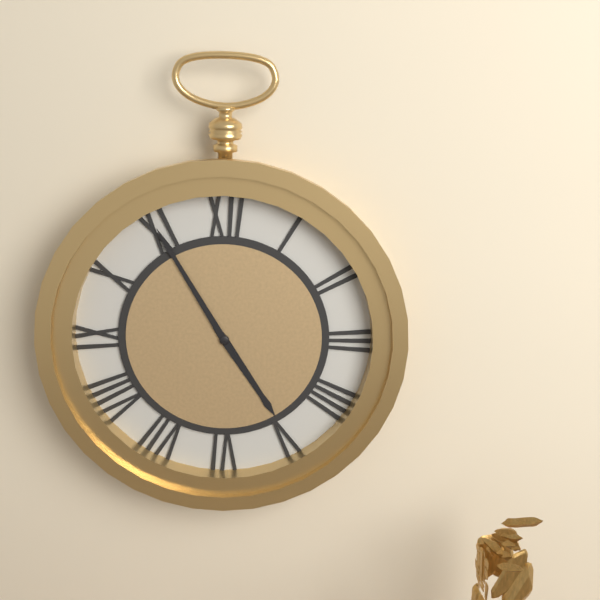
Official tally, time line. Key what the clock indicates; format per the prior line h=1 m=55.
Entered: h=4 m=55
